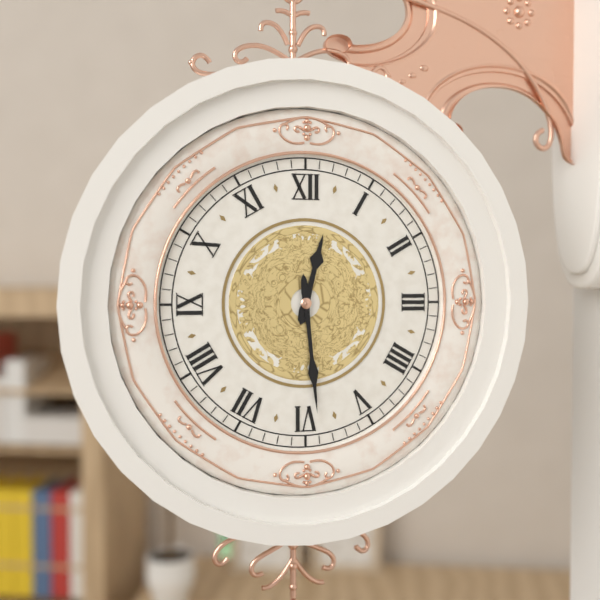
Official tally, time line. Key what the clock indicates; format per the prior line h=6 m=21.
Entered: h=12 m=29
